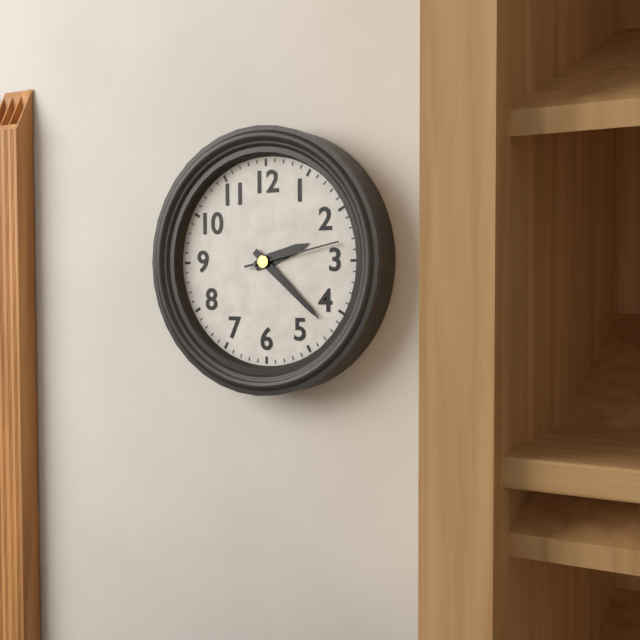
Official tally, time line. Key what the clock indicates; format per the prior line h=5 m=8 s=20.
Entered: h=2 m=22 s=13
